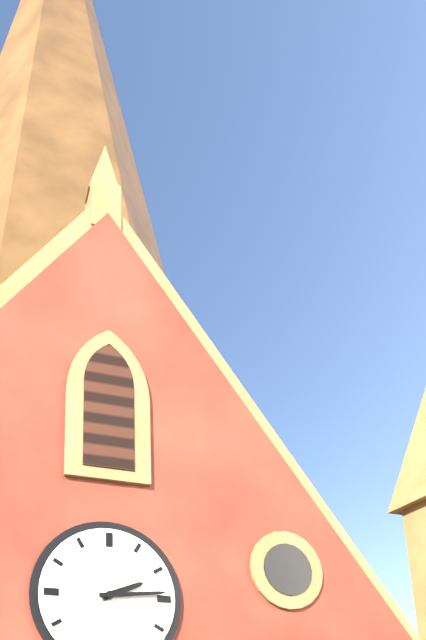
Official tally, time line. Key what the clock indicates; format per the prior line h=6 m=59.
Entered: h=2 m=14
